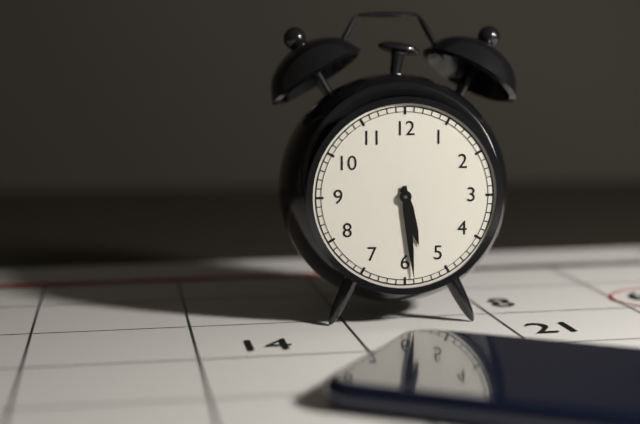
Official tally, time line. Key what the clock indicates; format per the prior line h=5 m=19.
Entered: h=5 m=29
